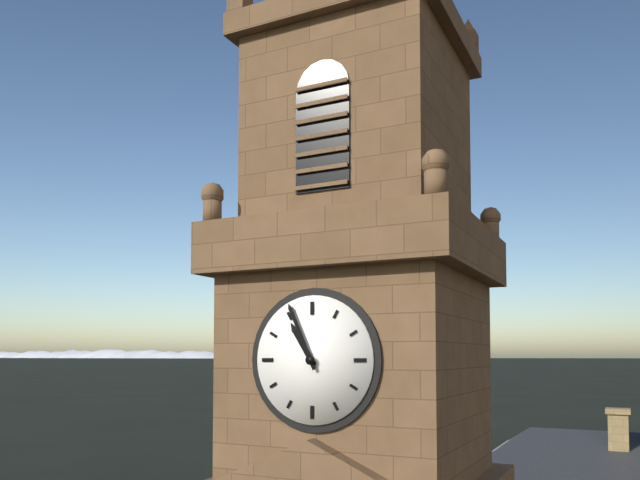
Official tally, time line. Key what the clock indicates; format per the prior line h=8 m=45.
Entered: h=10 m=56
